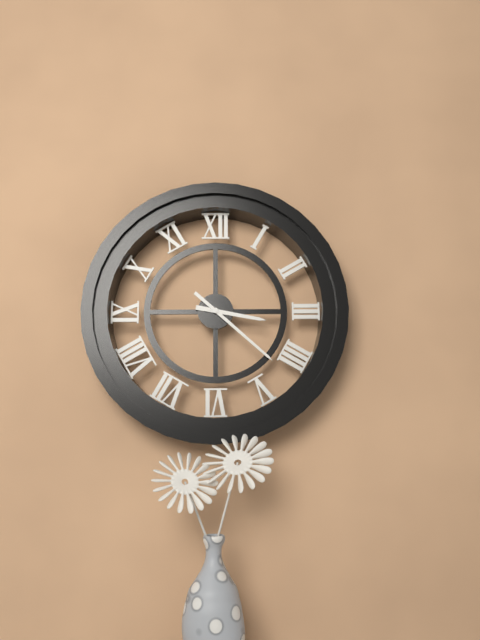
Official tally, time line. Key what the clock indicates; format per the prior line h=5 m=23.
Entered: h=3 m=22
